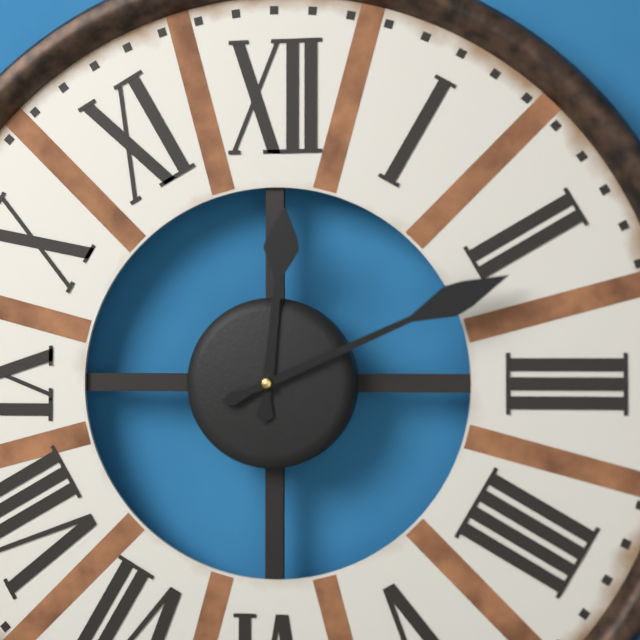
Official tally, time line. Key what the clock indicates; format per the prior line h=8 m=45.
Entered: h=12 m=11
